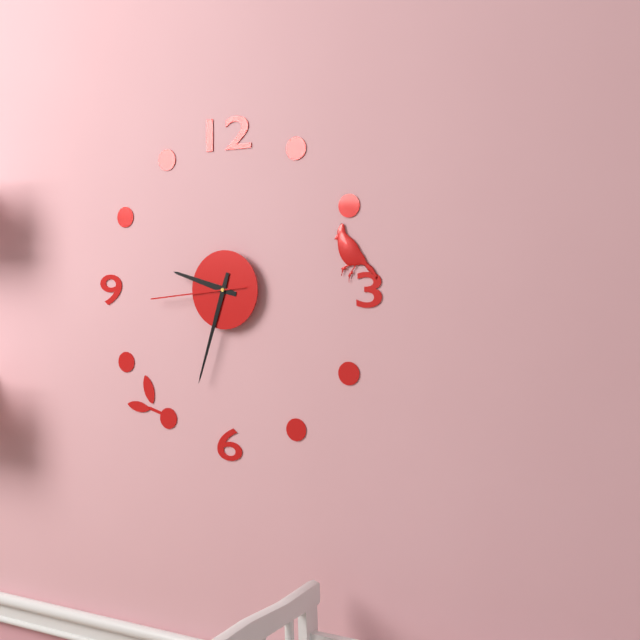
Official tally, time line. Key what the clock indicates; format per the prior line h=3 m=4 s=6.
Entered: h=9 m=33 s=44
